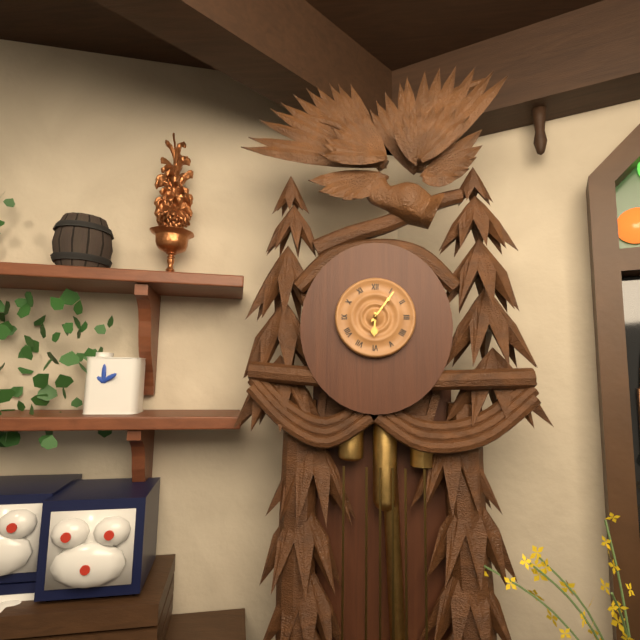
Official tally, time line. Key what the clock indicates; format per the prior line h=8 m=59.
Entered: h=6 m=6
